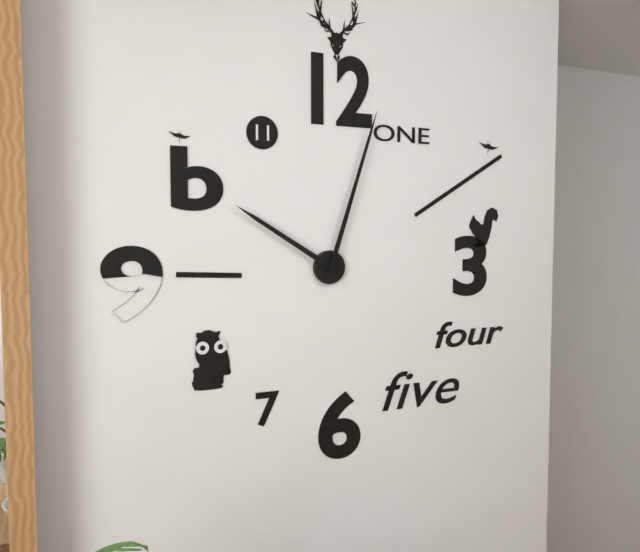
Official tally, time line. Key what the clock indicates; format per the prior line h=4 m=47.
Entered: h=10 m=3
